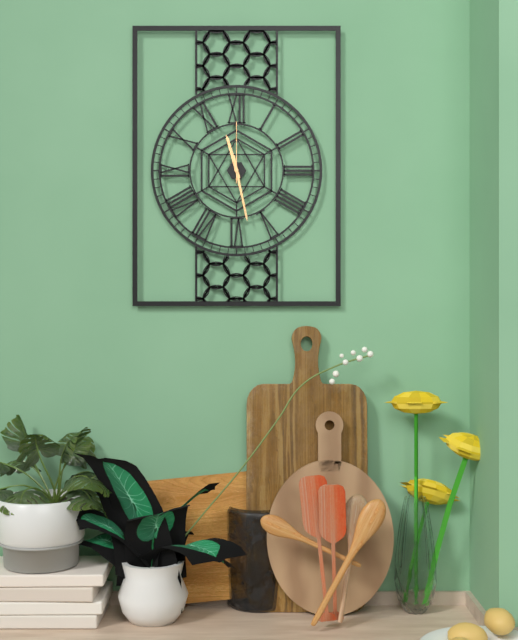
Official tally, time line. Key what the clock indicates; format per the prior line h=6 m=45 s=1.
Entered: h=11 m=28 s=0
